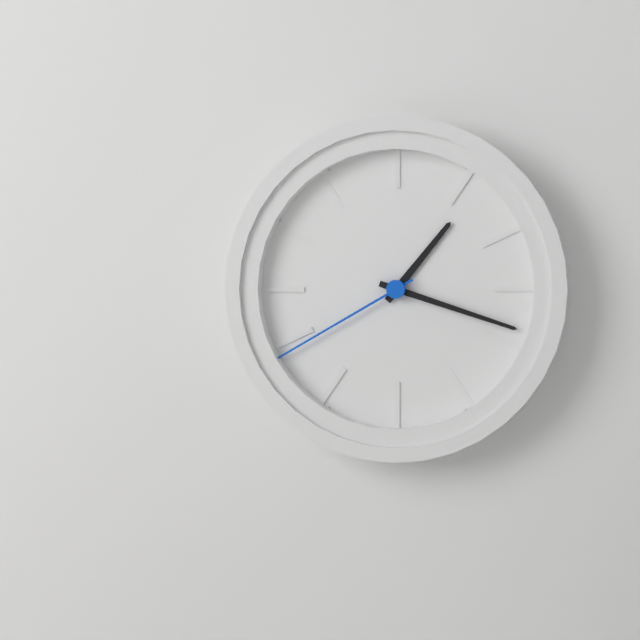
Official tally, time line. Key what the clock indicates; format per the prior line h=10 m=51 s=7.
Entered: h=1 m=18 s=40
